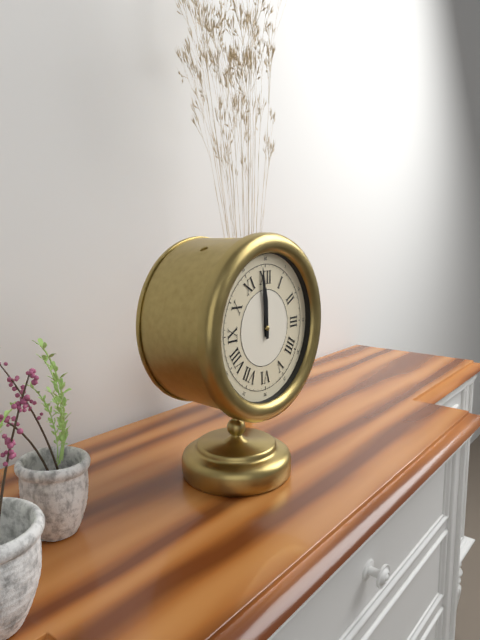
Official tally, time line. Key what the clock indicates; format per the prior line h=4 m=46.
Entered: h=11 m=59
